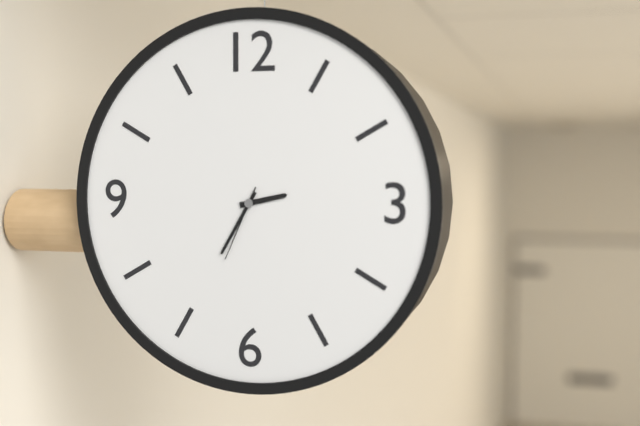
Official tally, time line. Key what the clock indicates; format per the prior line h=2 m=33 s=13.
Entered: h=2 m=35 s=34
